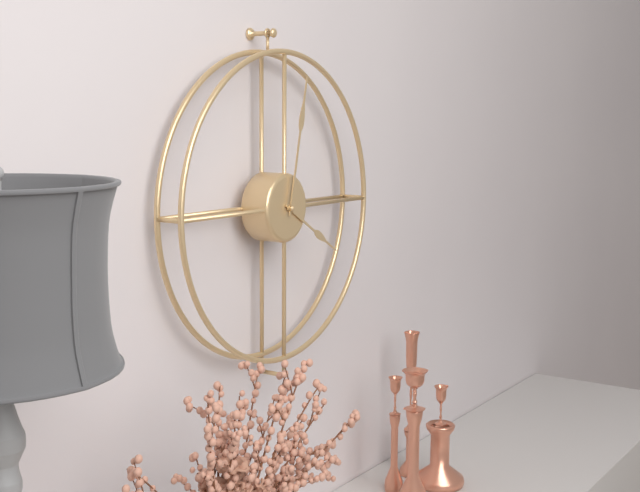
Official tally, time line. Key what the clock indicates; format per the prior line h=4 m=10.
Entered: h=4 m=2
